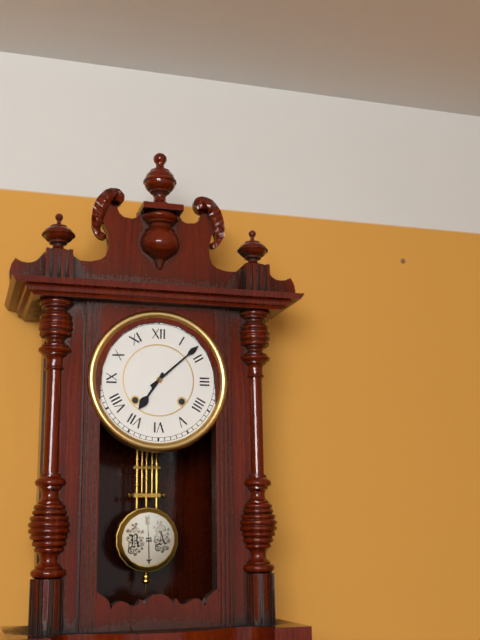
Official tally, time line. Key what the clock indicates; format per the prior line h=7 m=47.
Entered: h=7 m=8
